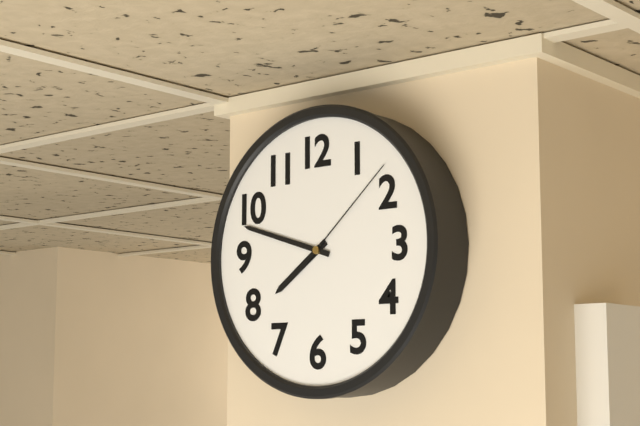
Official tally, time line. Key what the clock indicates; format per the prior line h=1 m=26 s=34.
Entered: h=7 m=48 s=8
